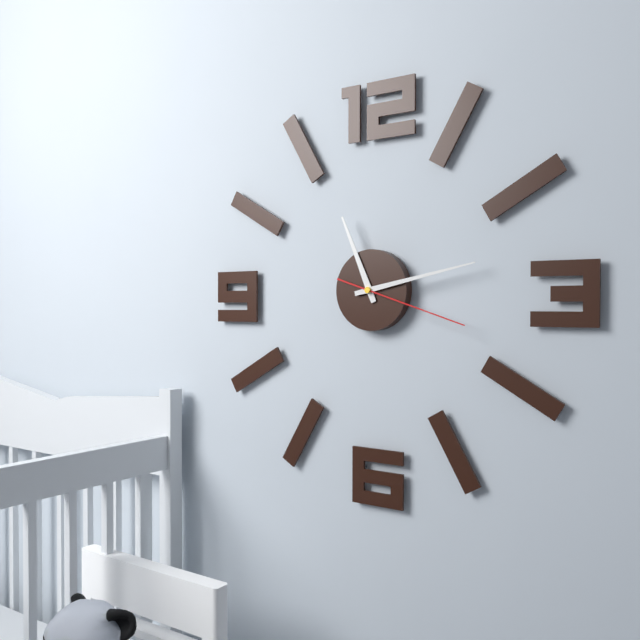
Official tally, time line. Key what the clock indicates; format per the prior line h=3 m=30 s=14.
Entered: h=11 m=13 s=18
